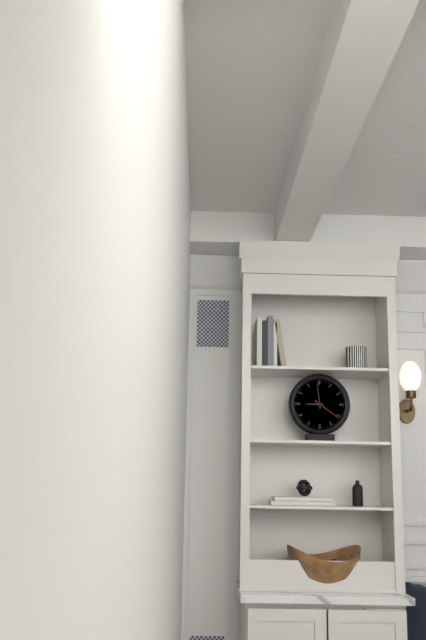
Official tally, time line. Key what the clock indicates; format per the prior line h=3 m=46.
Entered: h=8 m=59
